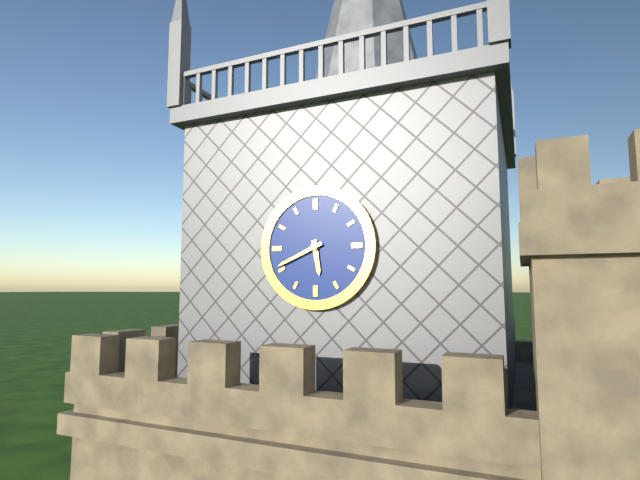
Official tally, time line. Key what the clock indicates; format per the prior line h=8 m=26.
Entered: h=5 m=41
